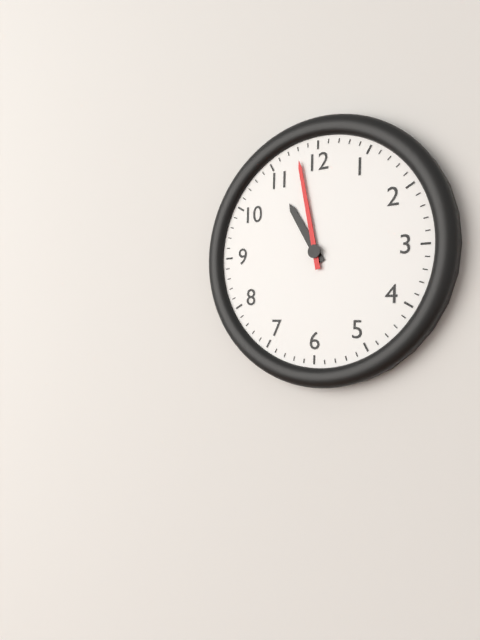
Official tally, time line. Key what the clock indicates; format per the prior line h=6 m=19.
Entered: h=10 m=58
